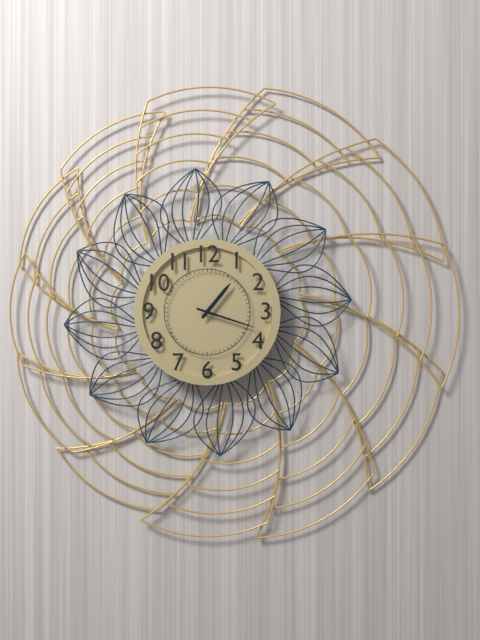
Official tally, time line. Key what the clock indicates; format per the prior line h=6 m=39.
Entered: h=1 m=18
